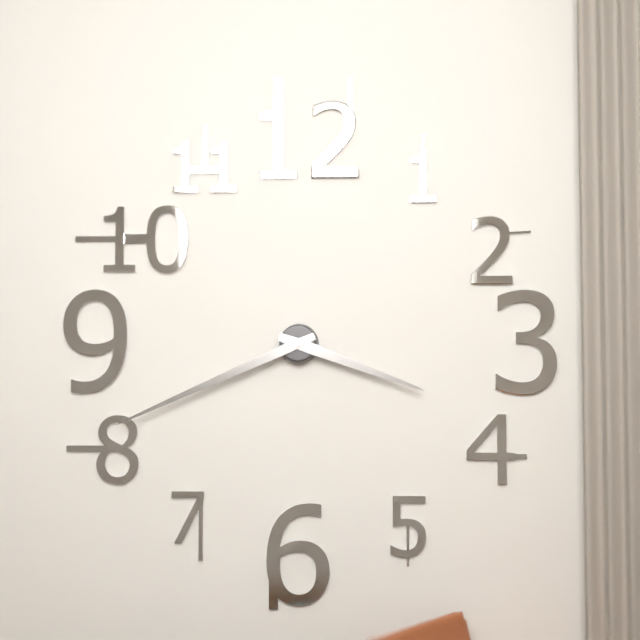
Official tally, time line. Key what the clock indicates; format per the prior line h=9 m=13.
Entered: h=3 m=41
